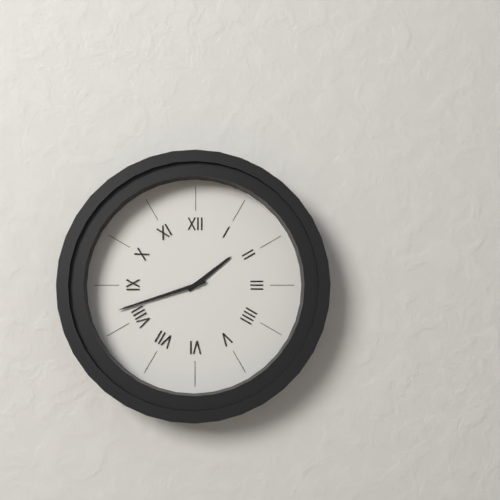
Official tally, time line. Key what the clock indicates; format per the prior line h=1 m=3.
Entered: h=1 m=42
